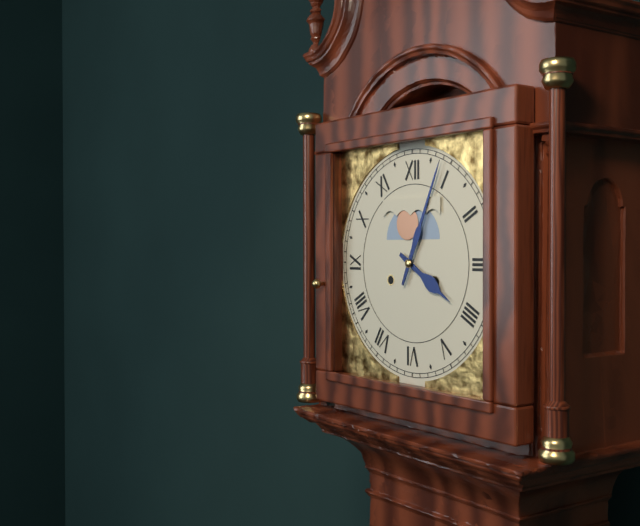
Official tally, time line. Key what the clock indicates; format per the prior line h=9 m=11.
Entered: h=4 m=4
